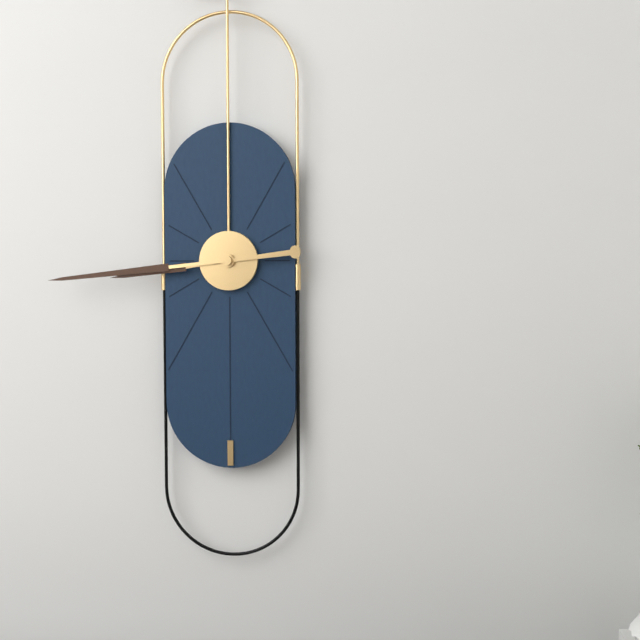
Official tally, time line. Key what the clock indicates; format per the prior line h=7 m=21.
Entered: h=8 m=44
